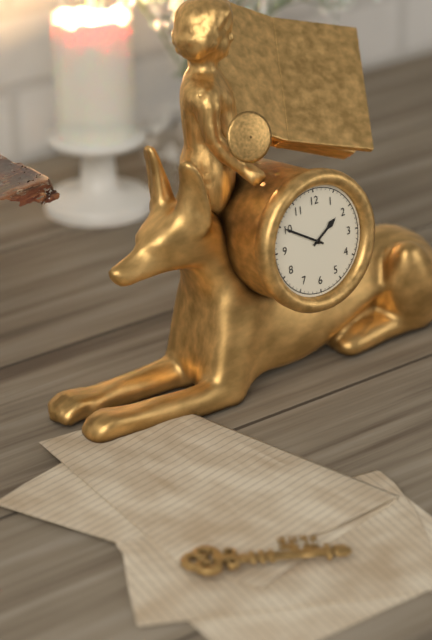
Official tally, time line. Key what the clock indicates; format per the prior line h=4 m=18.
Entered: h=1 m=50
